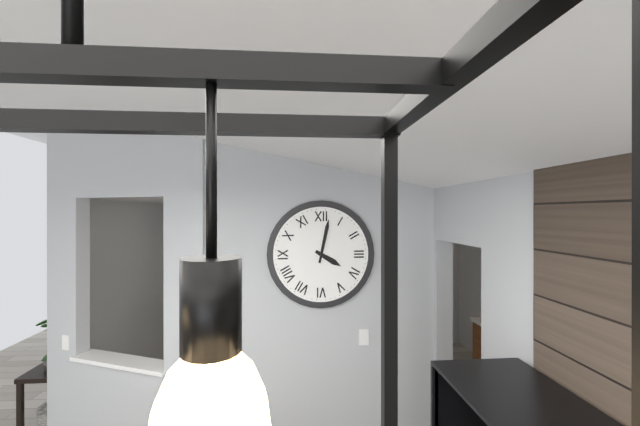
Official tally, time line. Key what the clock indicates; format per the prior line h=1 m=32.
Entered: h=4 m=2
